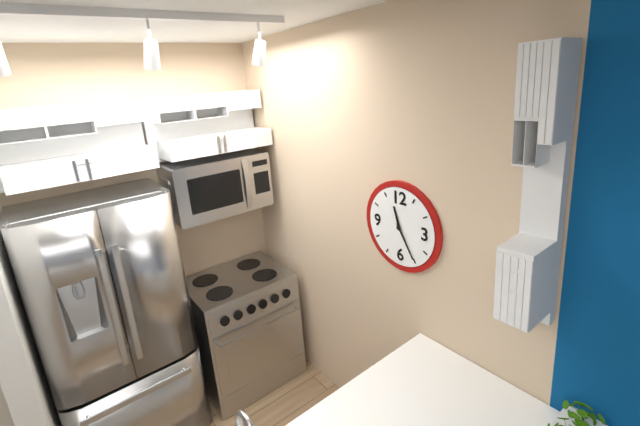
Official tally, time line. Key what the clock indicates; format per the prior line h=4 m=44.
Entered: h=11 m=25
